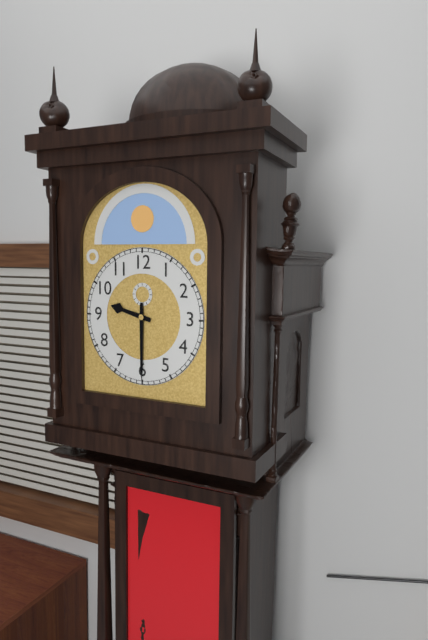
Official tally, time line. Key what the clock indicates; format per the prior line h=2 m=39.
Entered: h=9 m=30
